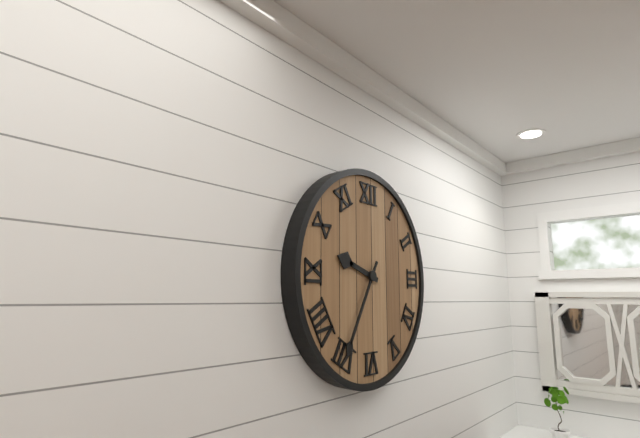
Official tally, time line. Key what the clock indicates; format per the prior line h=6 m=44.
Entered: h=9 m=35
